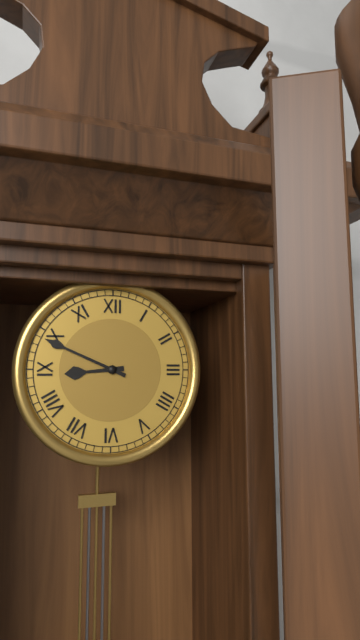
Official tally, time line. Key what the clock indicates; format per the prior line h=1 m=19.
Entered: h=8 m=49
